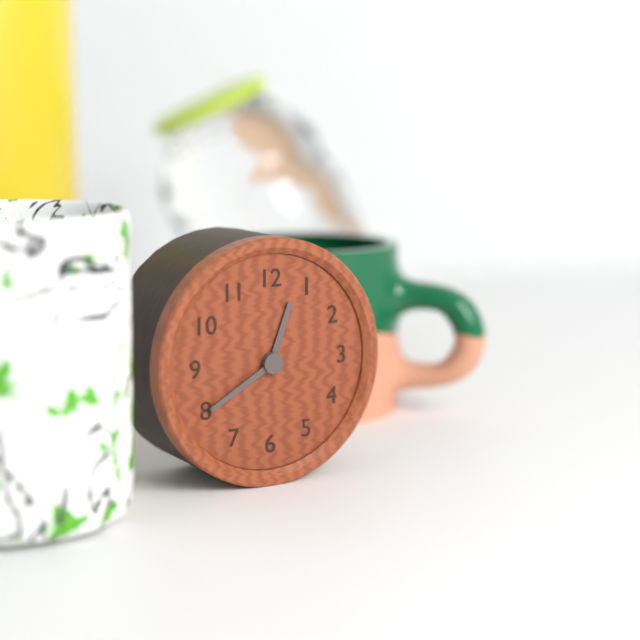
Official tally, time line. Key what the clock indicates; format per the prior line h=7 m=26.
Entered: h=12 m=40
